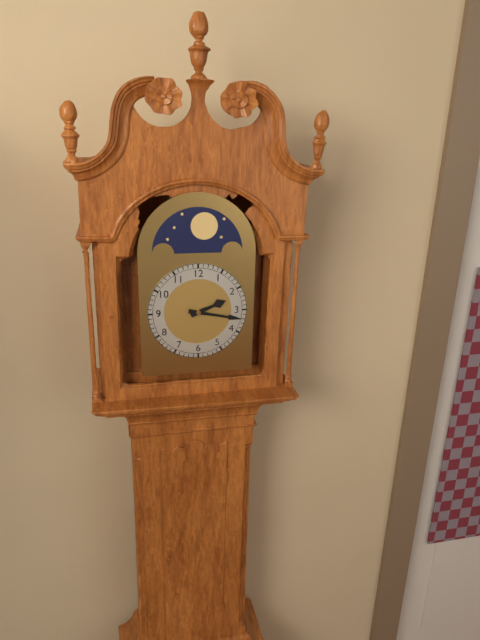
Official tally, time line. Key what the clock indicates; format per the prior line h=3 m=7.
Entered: h=2 m=17
